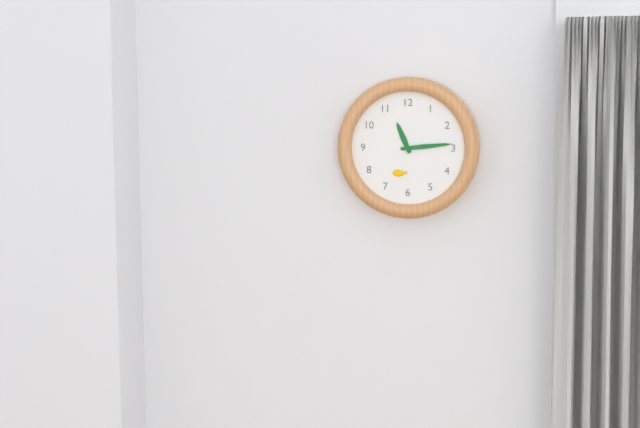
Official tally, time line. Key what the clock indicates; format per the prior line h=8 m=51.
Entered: h=11 m=14
